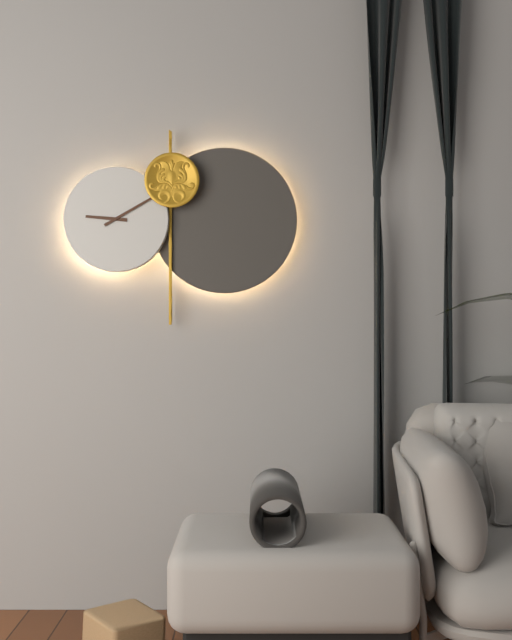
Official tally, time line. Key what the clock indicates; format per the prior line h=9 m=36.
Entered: h=9 m=10
